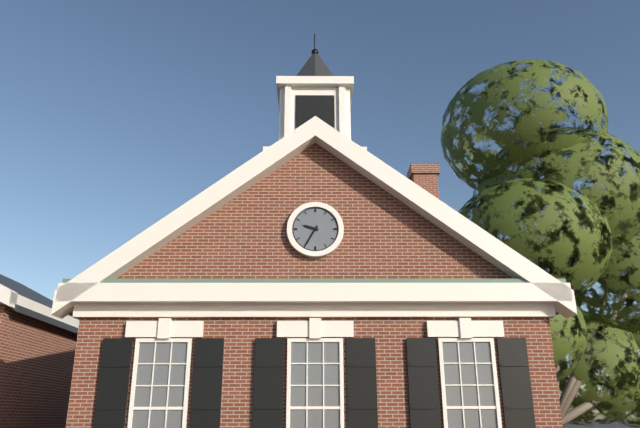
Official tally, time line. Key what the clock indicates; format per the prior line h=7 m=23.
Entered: h=9 m=35
